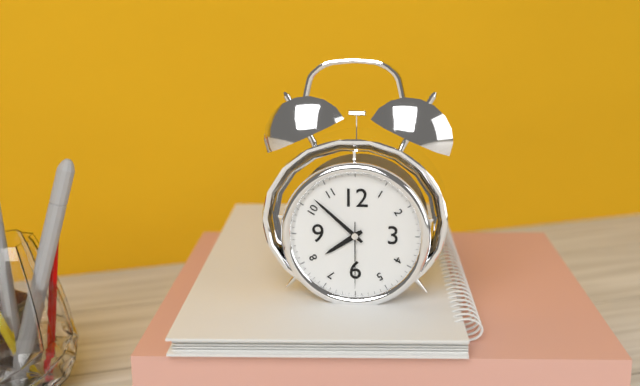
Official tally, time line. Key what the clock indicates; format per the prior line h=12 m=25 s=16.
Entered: h=7 m=52 s=30
